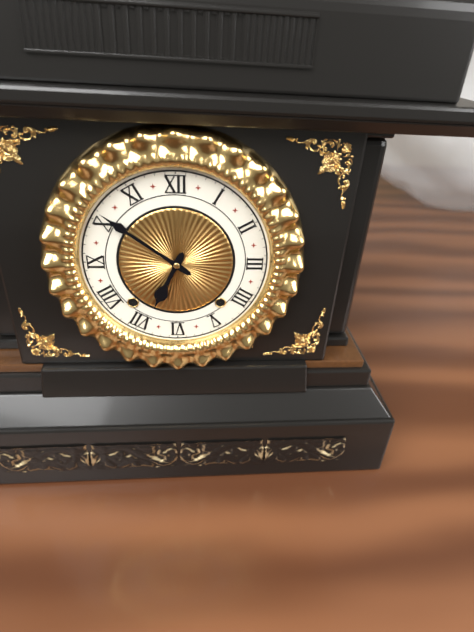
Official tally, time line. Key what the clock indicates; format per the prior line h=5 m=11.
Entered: h=6 m=51
